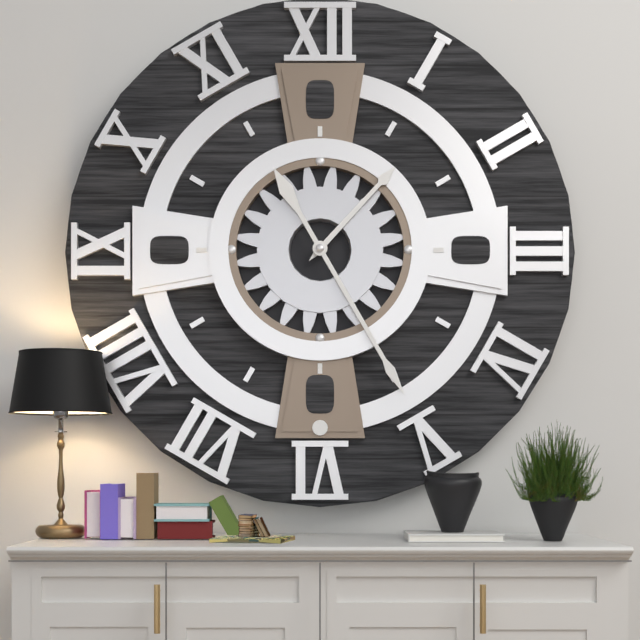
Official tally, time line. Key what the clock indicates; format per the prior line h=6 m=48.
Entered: h=1 m=25
